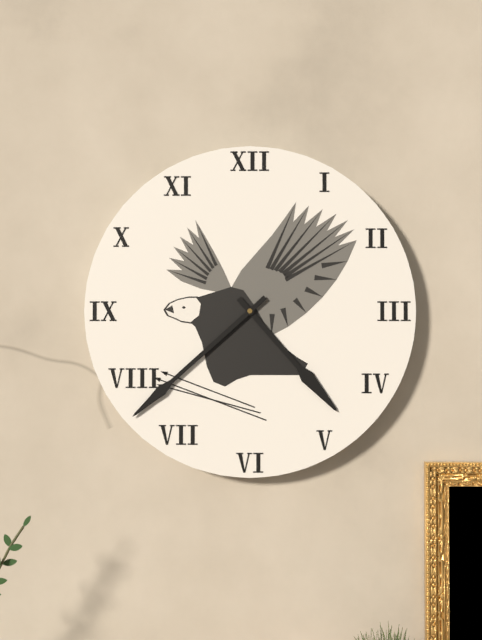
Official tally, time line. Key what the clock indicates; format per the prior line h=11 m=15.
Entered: h=4 m=38
